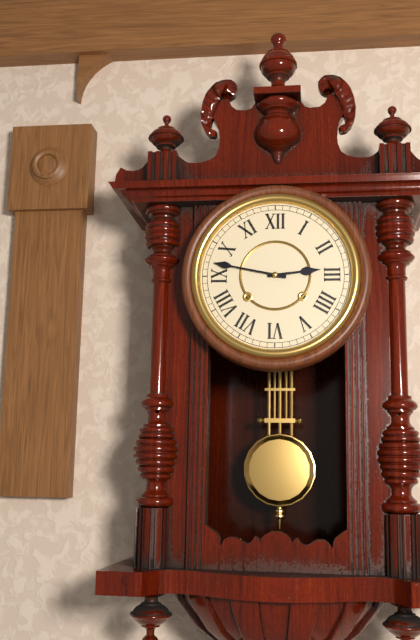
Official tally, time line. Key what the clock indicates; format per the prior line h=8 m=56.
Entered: h=2 m=47
